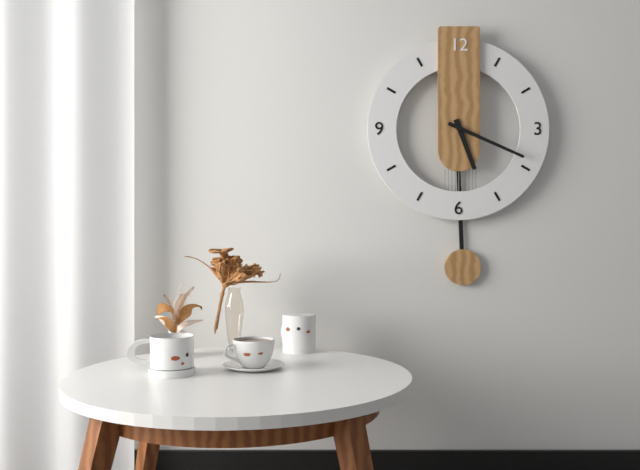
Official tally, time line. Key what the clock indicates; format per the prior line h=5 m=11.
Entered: h=5 m=19
